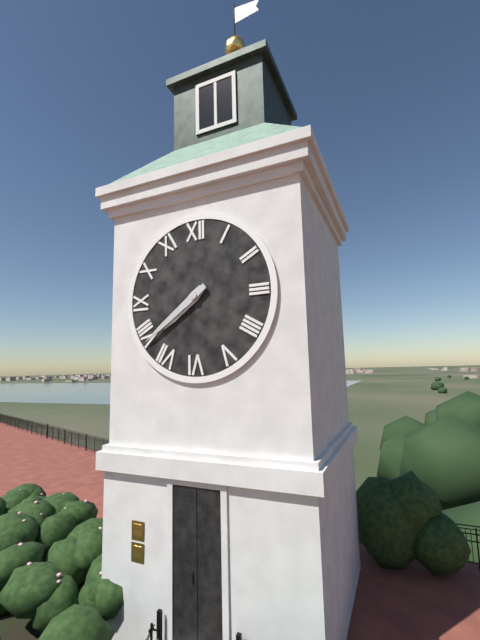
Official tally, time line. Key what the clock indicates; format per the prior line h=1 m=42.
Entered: h=7 m=39
